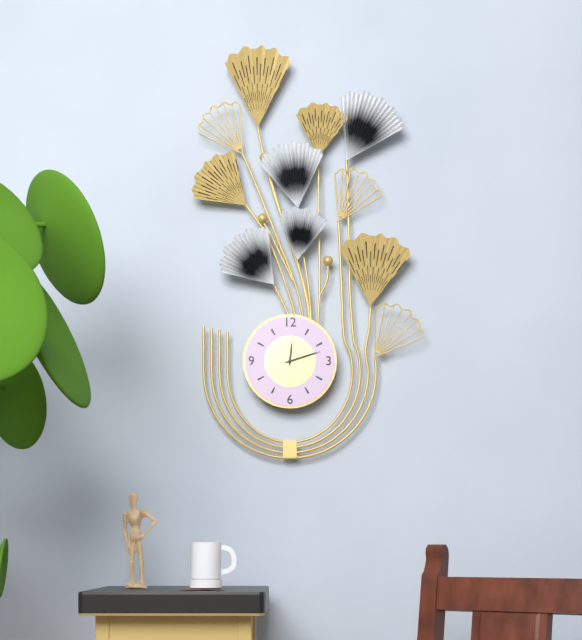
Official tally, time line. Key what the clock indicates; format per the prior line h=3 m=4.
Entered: h=12 m=12
